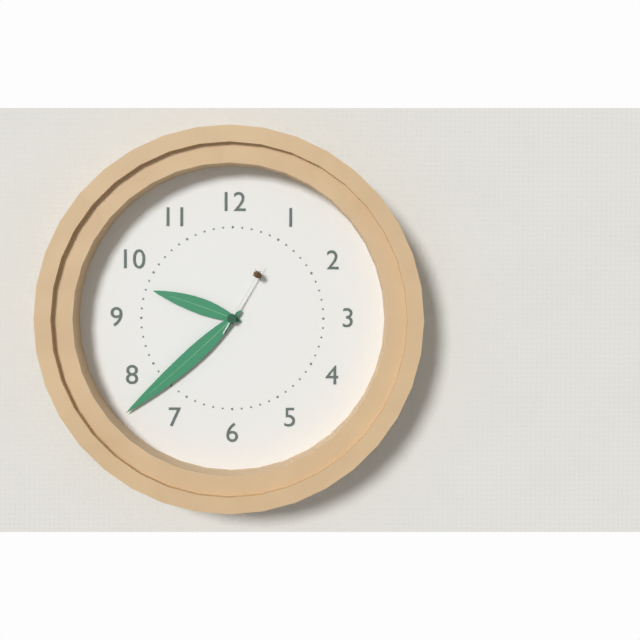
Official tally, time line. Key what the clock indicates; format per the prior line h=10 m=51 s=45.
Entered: h=9 m=38 s=5
